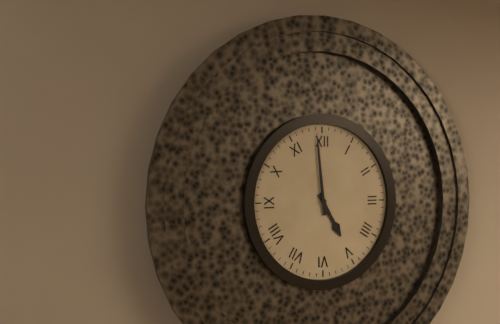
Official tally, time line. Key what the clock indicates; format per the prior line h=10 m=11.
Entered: h=4 m=59
